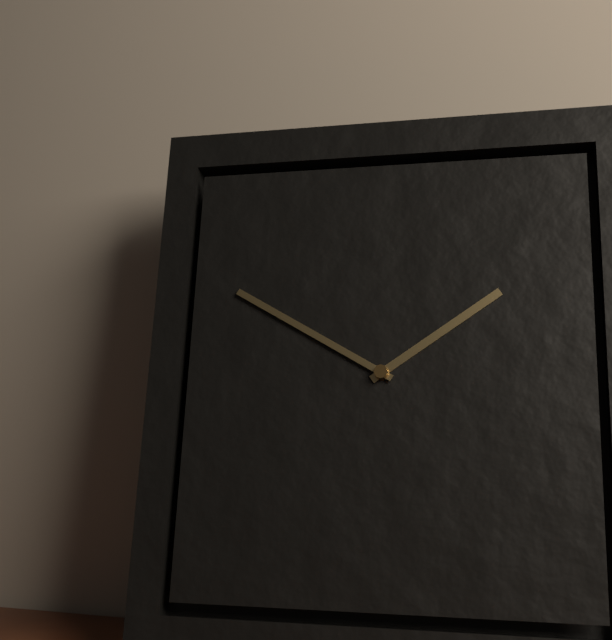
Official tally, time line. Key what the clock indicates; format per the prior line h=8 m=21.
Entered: h=1 m=50
